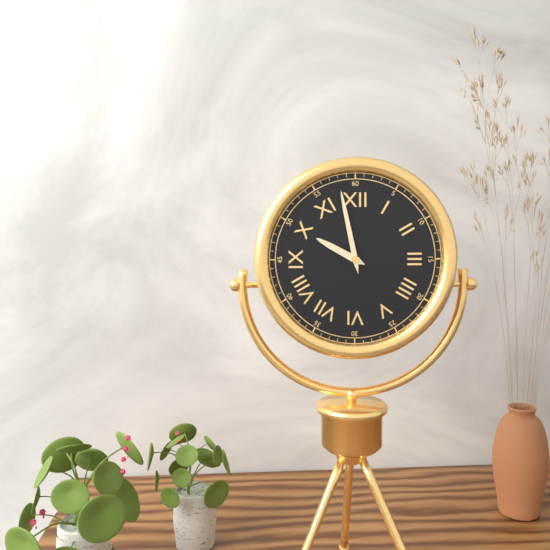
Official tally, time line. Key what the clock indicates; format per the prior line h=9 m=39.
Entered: h=9 m=58
